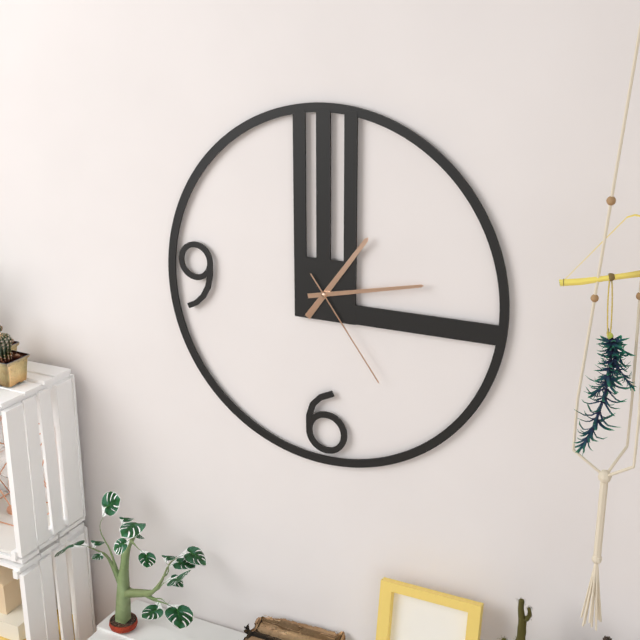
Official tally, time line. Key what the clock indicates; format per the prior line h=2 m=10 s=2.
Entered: h=1 m=13 s=24
